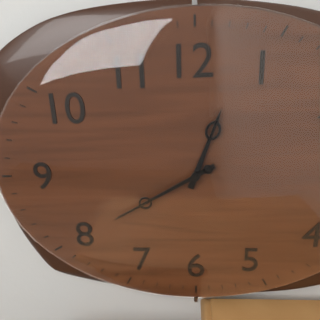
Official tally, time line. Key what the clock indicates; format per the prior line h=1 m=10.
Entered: h=12 m=40
